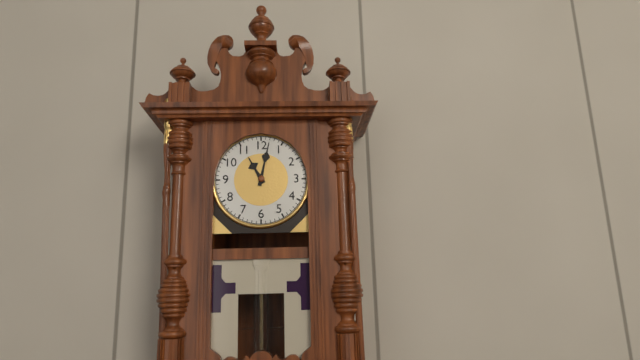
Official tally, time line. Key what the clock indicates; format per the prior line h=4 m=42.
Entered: h=11 m=2
